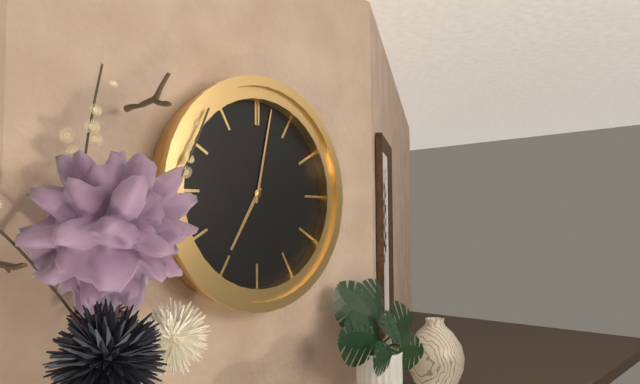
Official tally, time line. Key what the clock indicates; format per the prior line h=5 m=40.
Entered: h=7 m=2
